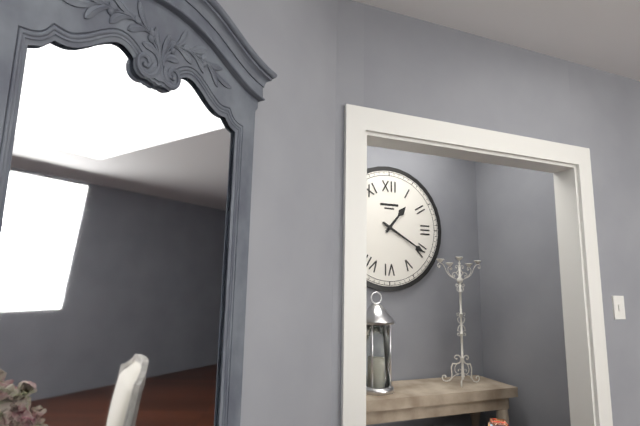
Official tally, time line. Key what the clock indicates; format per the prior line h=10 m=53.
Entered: h=1 m=20
